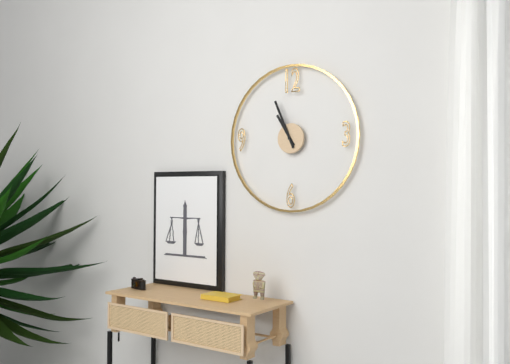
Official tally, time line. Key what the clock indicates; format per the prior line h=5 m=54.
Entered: h=10 m=56
